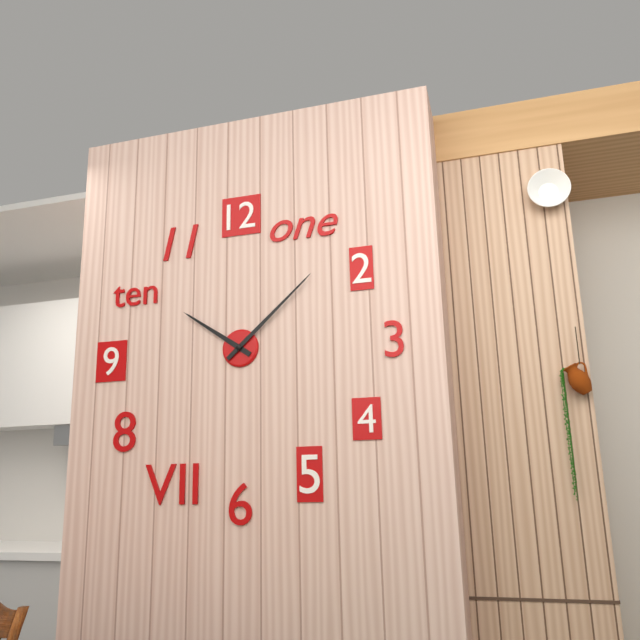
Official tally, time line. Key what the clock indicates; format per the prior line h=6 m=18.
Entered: h=10 m=8
